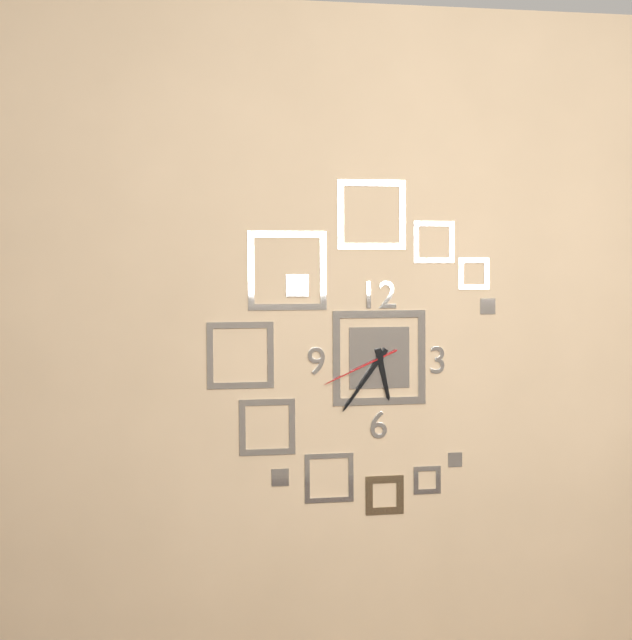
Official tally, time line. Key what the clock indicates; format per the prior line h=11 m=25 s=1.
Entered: h=5 m=36 s=41
